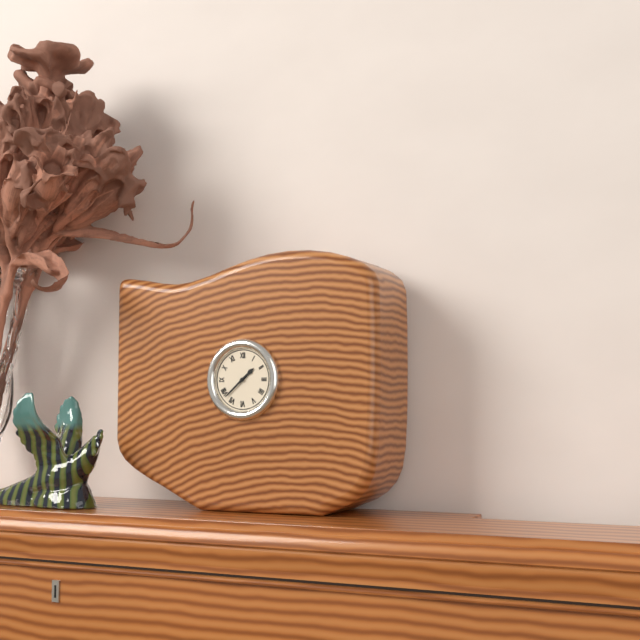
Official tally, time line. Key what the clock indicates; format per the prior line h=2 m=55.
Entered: h=1 m=38
